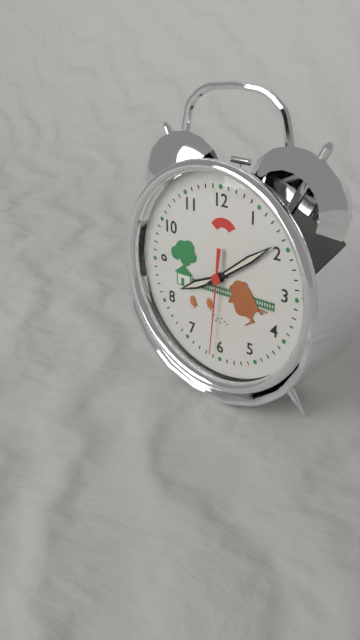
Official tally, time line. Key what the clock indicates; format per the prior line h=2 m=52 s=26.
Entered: h=8 m=9 s=31
